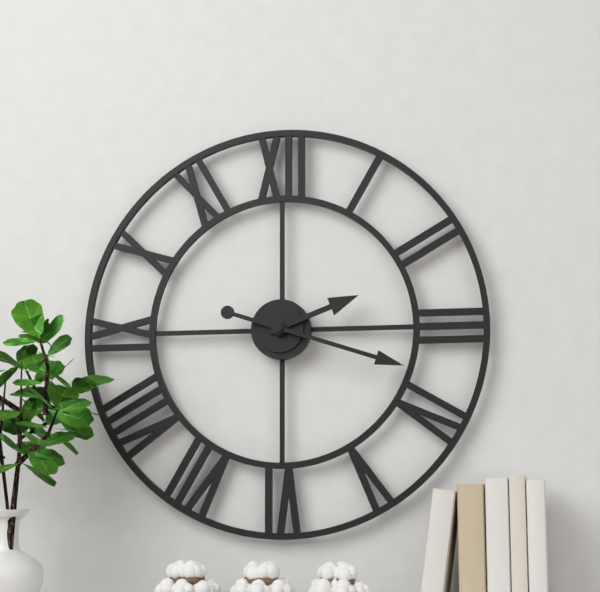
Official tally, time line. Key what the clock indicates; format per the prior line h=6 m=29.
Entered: h=2 m=18
